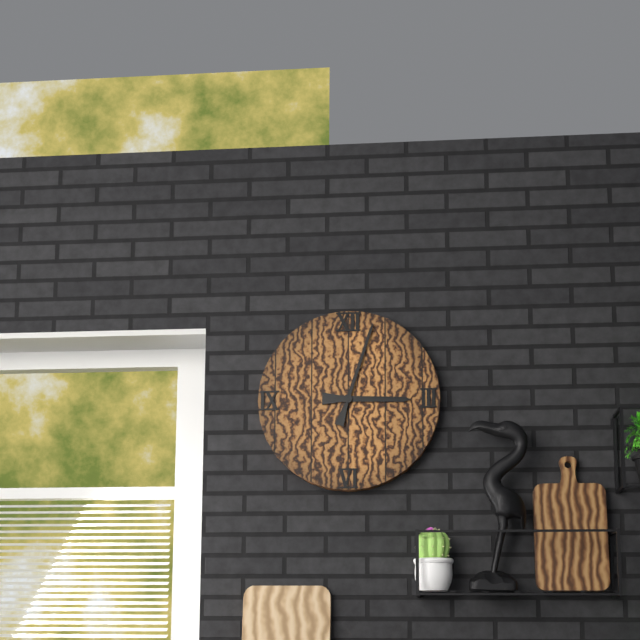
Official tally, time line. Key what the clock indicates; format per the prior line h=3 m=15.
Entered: h=3 m=3
